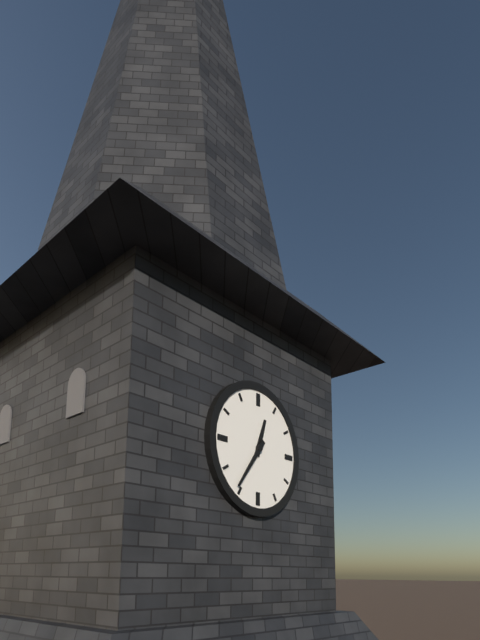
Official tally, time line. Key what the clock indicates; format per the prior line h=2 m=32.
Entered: h=12 m=36
